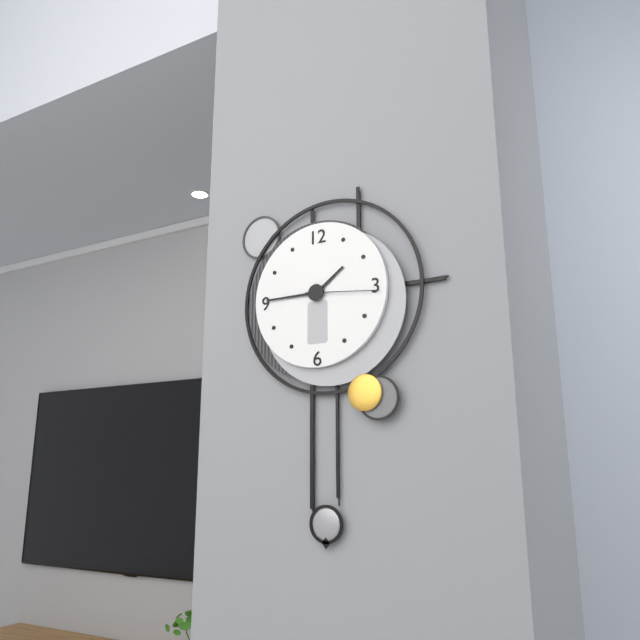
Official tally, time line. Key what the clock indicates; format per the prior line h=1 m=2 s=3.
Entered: h=1 m=45 s=16
